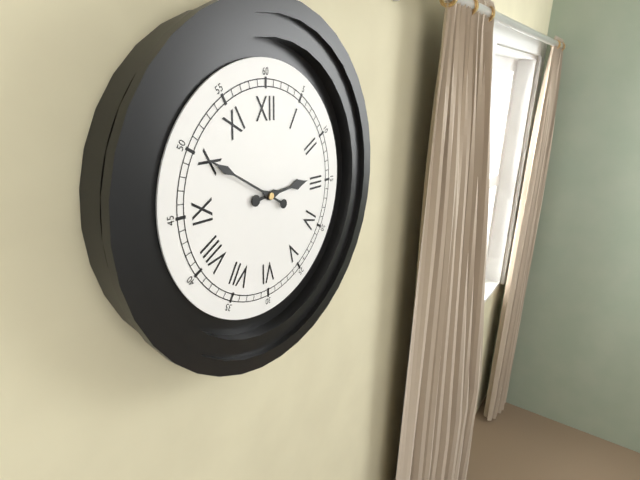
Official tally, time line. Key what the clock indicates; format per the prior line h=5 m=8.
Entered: h=2 m=50
